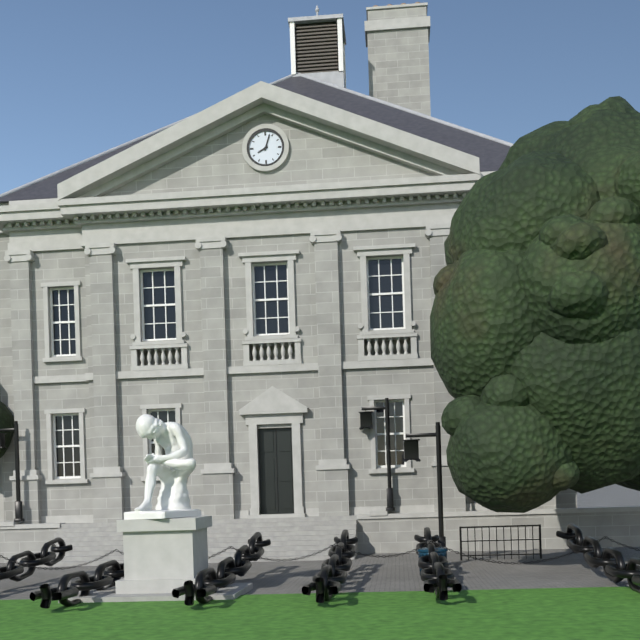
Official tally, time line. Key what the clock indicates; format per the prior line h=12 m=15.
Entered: h=8 m=3
